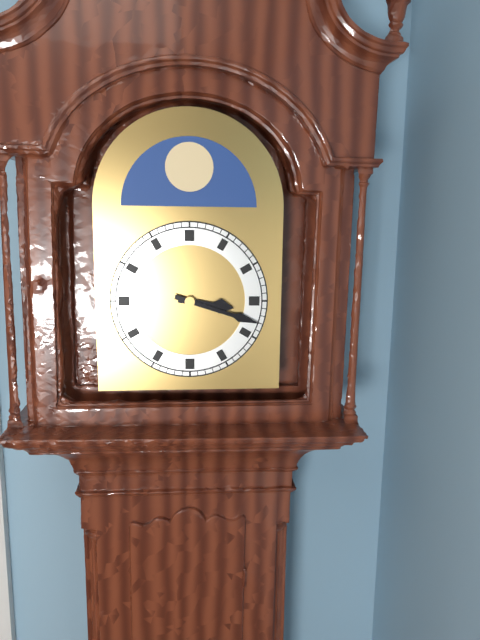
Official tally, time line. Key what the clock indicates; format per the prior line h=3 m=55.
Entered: h=3 m=18
